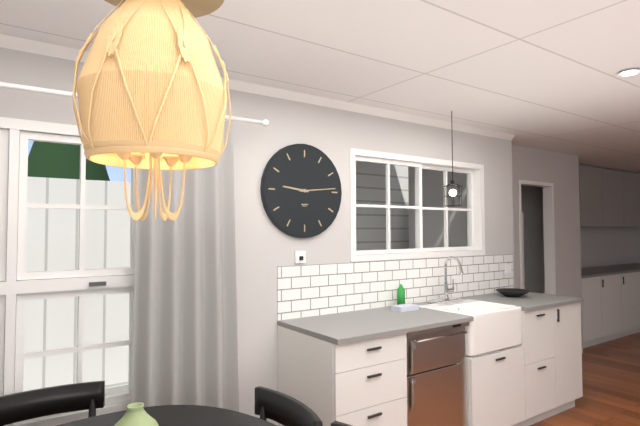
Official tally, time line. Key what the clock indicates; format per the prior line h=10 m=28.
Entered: h=9 m=14
